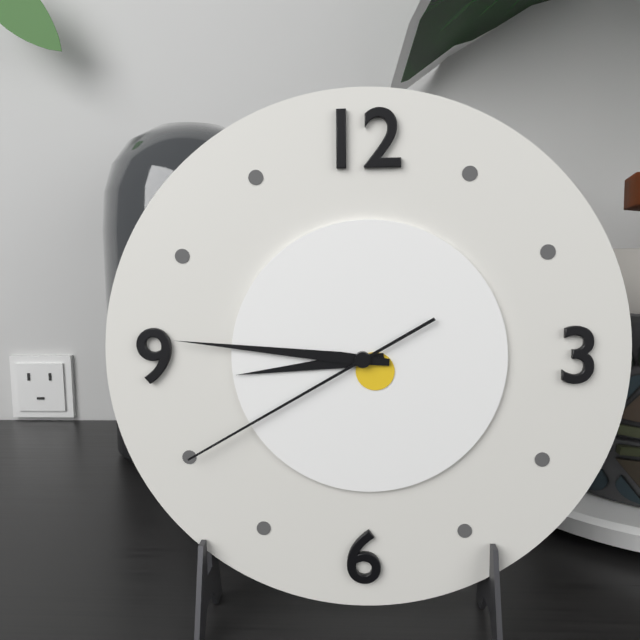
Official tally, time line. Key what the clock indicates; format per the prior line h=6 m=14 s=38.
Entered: h=8 m=46 s=40
